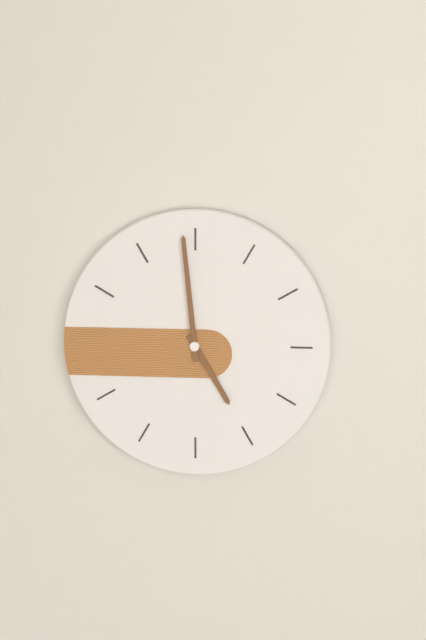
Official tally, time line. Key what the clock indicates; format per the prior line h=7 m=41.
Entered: h=4 m=59
